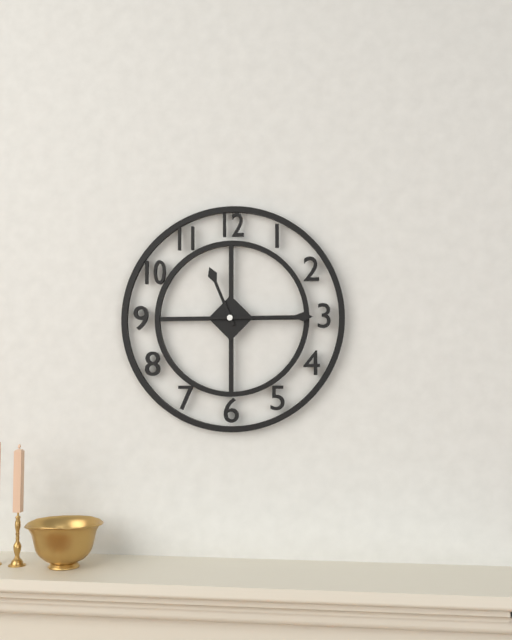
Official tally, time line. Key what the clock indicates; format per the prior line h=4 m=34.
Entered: h=11 m=15
